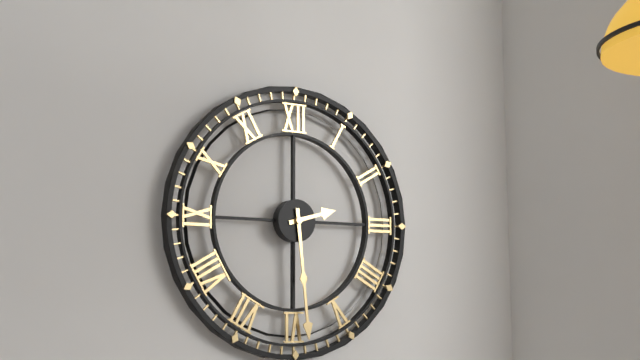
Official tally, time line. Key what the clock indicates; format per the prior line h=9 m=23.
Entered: h=2 m=29
